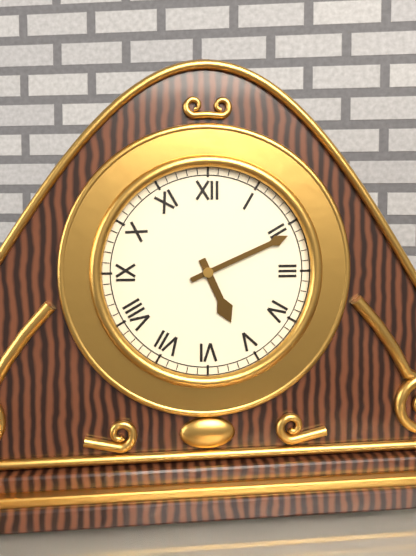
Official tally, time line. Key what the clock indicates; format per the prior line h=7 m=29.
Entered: h=5 m=11
